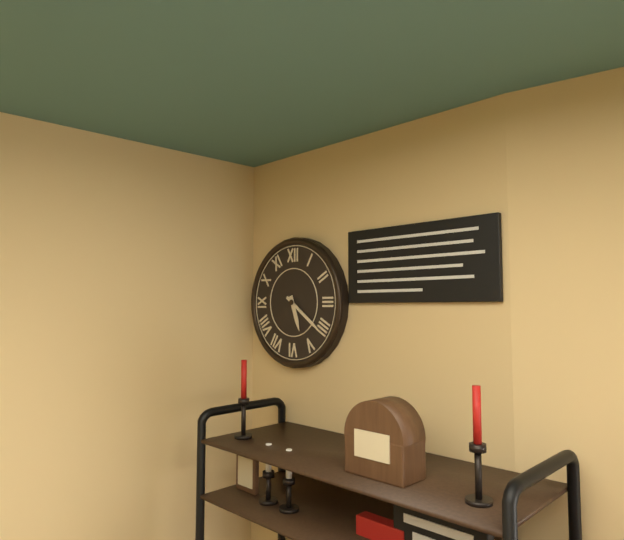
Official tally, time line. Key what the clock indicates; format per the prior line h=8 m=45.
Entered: h=5 m=21
